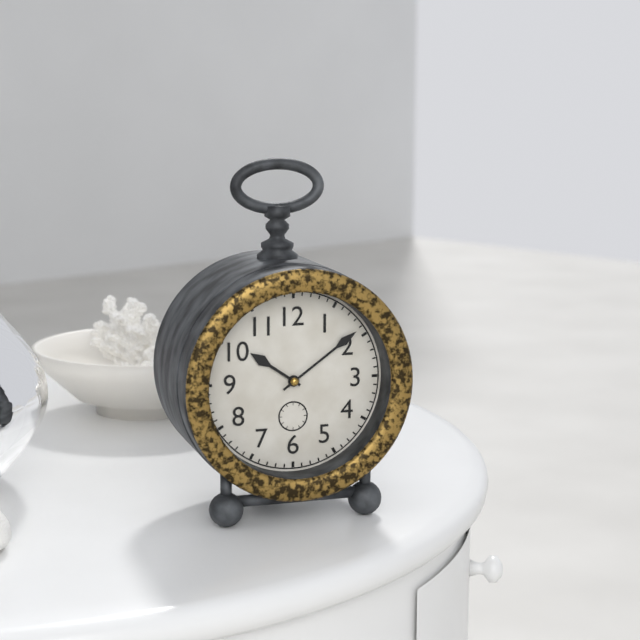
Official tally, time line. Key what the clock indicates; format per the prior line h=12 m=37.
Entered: h=10 m=9
